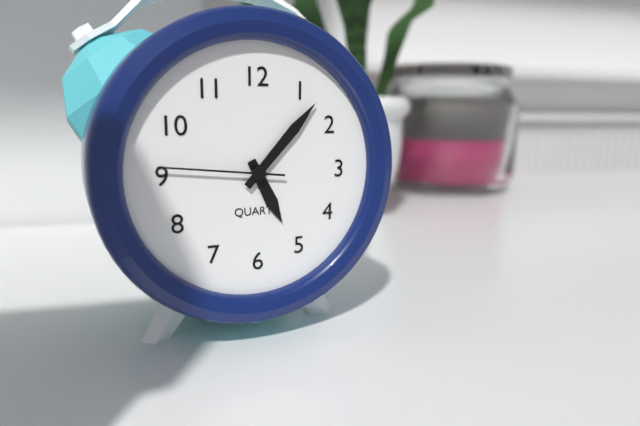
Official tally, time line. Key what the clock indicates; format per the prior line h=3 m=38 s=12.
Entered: h=5 m=7 s=46
